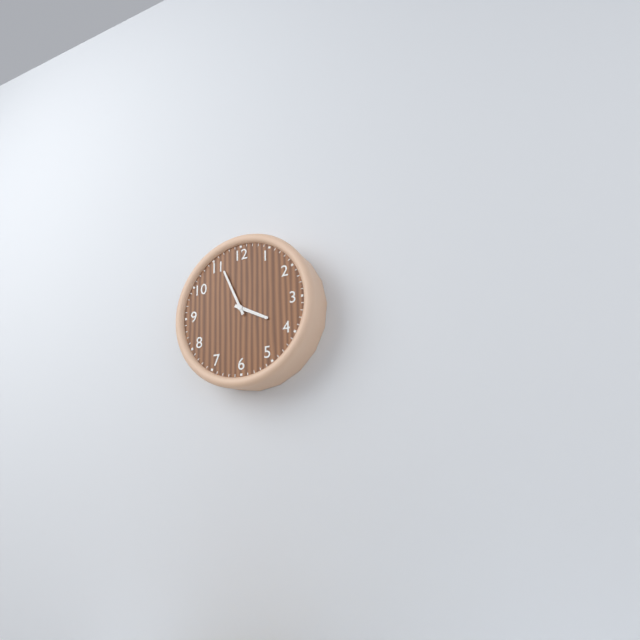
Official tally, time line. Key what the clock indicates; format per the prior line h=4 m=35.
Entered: h=3 m=56
